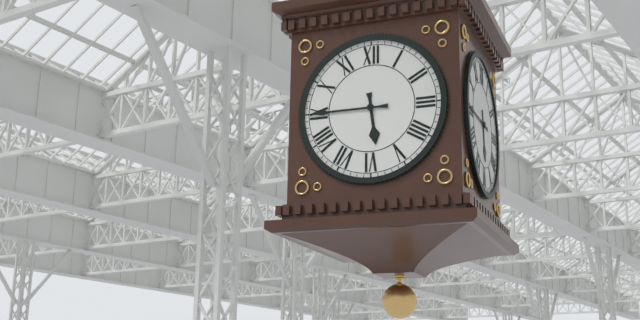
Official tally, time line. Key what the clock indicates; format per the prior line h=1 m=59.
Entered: h=5 m=45
